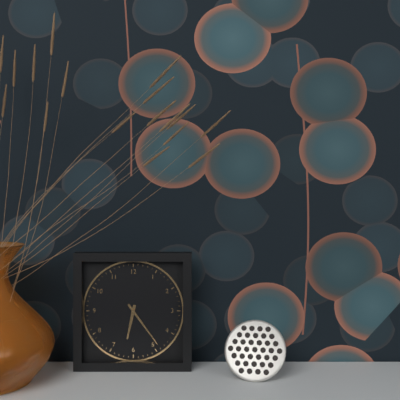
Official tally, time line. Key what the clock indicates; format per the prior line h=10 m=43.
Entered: h=6 m=24
